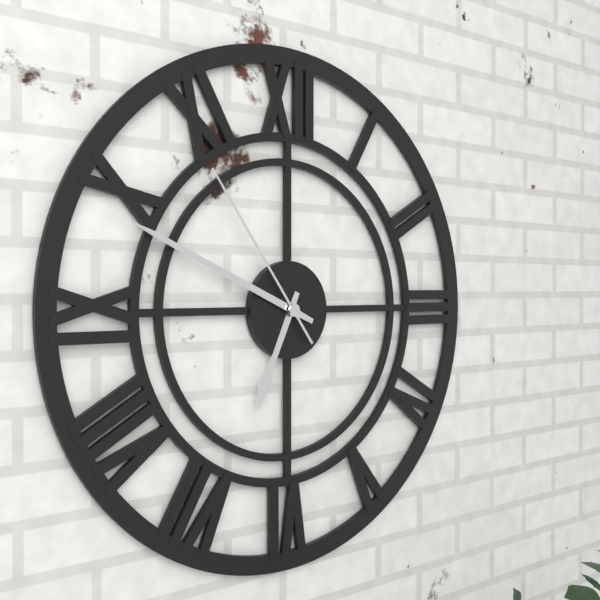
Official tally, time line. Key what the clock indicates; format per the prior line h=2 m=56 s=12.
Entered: h=6 m=49 s=54
